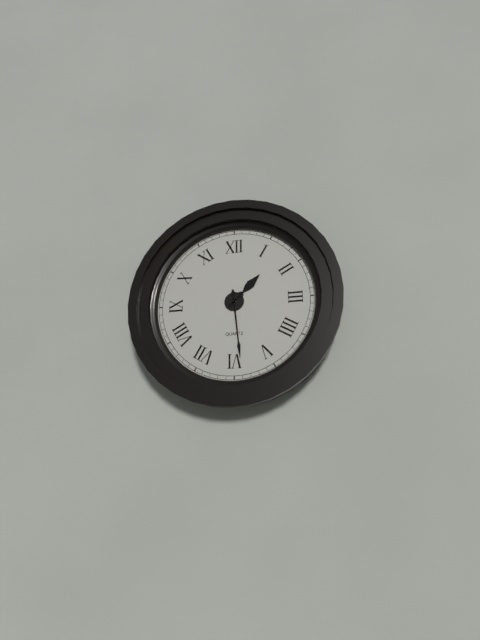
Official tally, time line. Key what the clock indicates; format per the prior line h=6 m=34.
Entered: h=1 m=29
